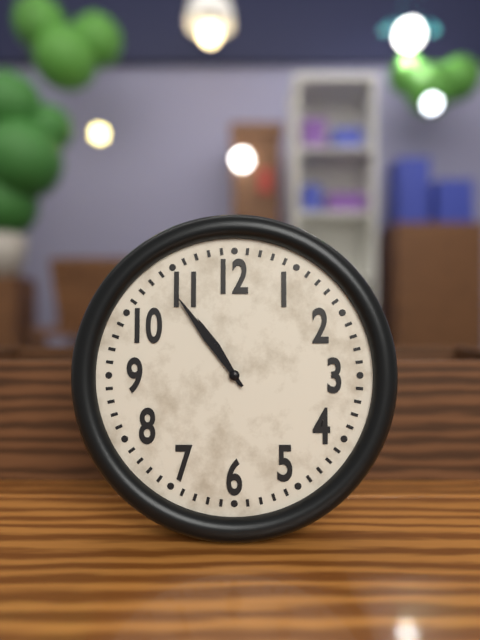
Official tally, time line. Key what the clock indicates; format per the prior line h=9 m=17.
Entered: h=10 m=54
